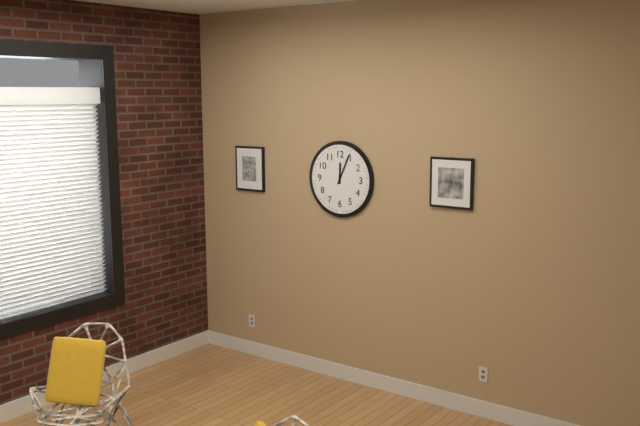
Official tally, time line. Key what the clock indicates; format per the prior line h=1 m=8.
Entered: h=12 m=4
